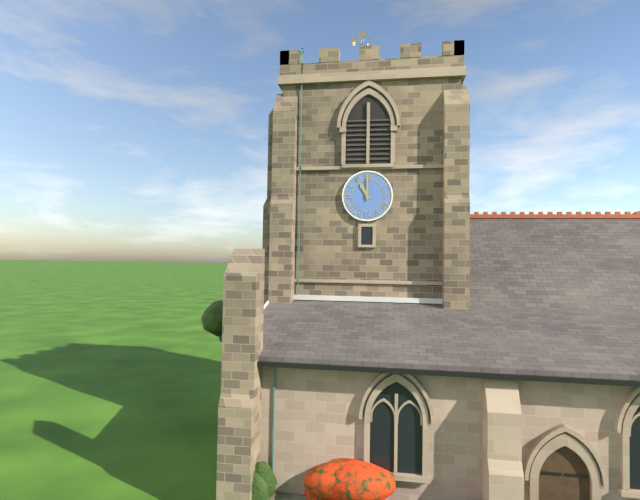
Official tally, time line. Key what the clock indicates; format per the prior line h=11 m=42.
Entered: h=11 m=0
